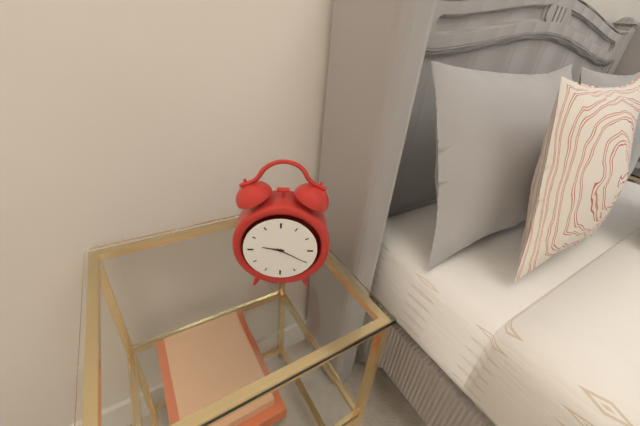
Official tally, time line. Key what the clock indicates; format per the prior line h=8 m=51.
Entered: h=9 m=20
